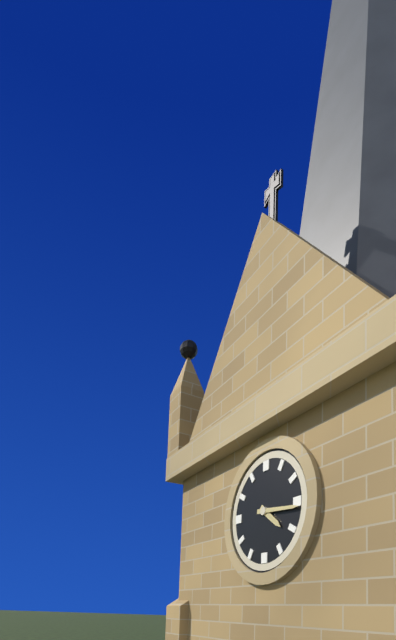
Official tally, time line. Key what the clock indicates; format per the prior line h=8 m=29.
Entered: h=4 m=16
